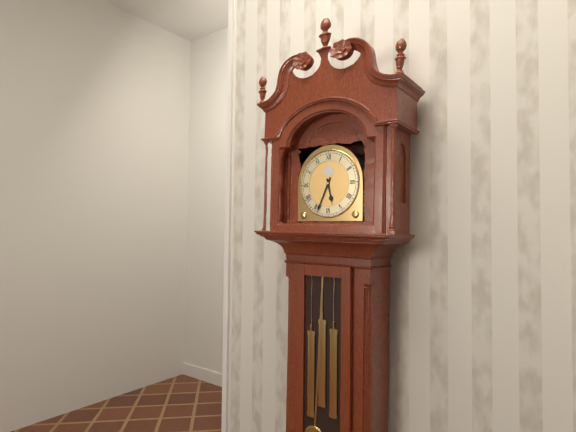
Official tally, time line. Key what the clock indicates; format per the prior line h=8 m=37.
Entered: h=5 m=34
